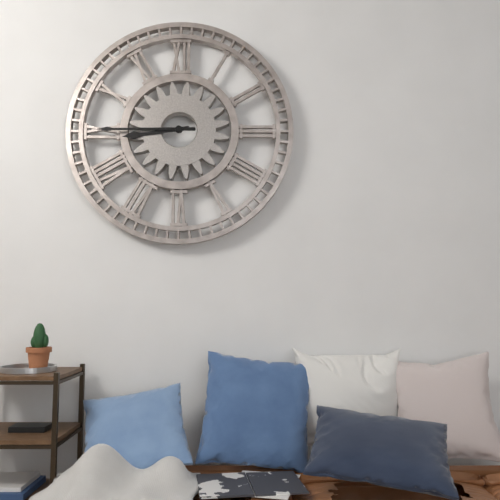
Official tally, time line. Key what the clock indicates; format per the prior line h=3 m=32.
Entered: h=8 m=45
